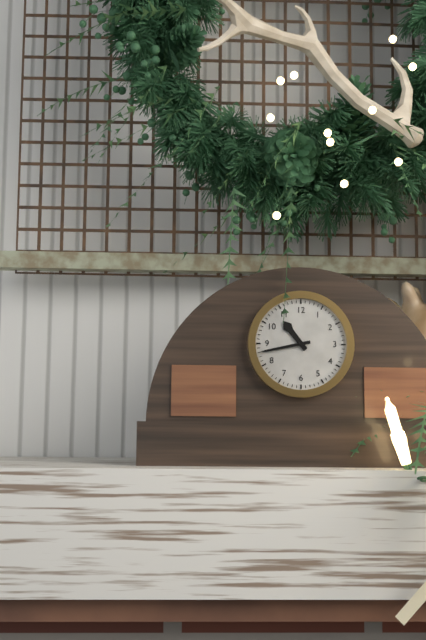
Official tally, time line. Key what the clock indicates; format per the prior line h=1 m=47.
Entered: h=10 m=43
